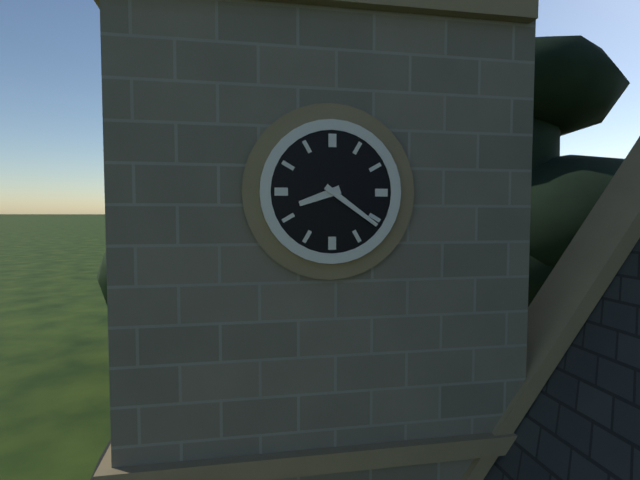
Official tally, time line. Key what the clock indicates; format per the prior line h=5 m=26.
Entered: h=8 m=21
